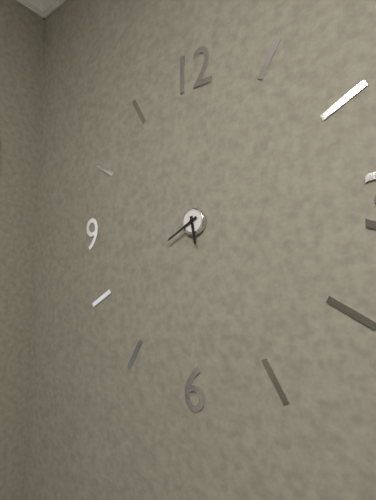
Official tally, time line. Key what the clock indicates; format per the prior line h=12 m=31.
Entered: h=5 m=40
